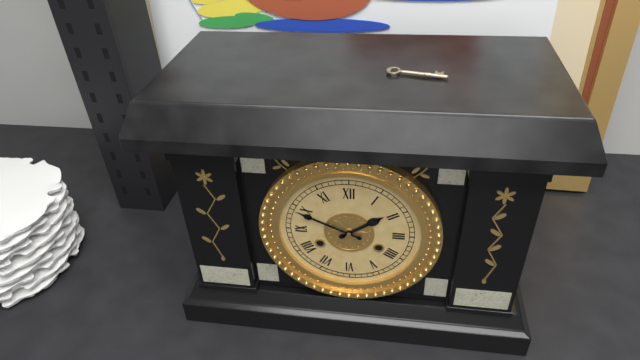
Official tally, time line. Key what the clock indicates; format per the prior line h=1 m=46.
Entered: h=1 m=49
